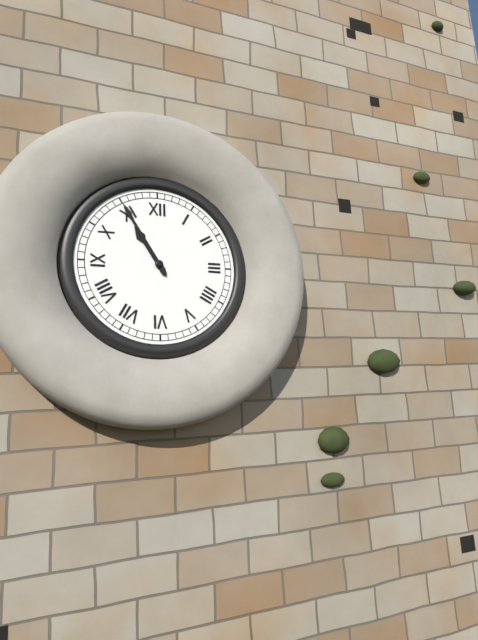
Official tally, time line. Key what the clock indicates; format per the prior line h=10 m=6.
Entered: h=10 m=55
